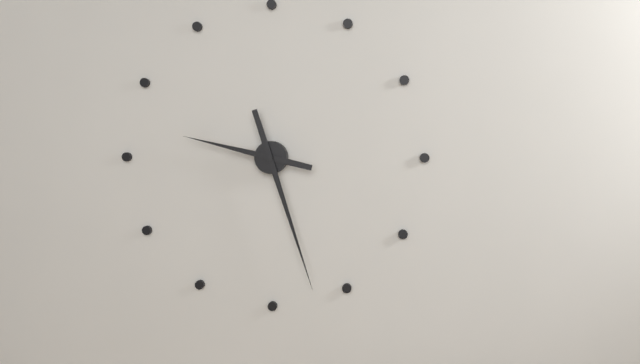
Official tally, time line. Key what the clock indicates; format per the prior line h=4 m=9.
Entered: h=9 m=27
